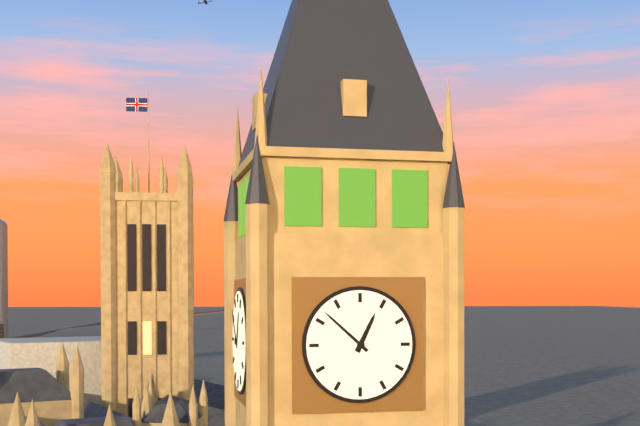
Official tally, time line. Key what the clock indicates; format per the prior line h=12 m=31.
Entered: h=12 m=52
